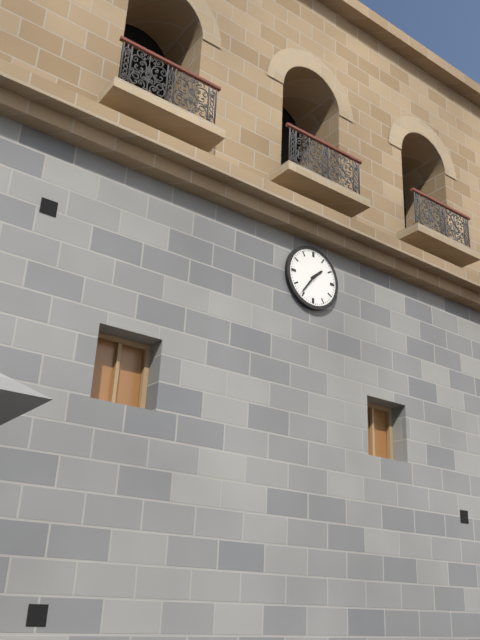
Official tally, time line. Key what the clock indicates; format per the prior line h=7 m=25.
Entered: h=1 m=36
